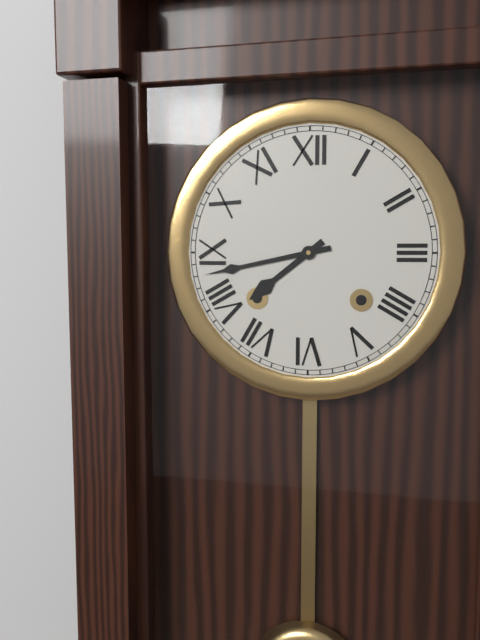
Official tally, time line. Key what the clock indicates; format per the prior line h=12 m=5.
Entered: h=7 m=43
